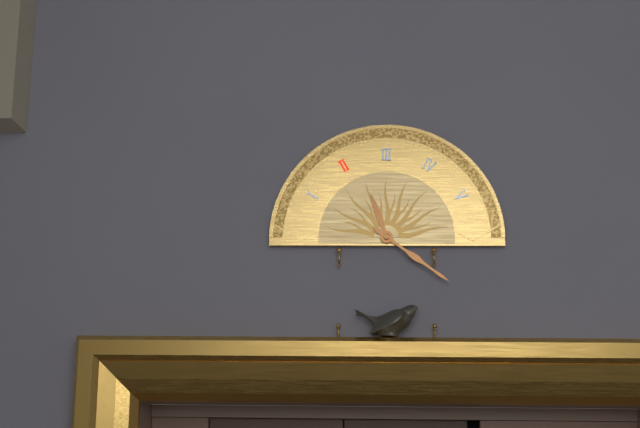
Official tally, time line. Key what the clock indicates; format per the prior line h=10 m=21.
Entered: h=11 m=21
